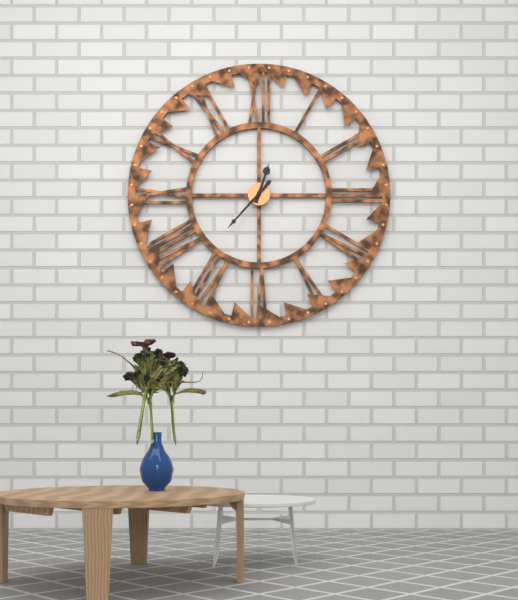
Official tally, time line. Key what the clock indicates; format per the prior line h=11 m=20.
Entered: h=12 m=37
